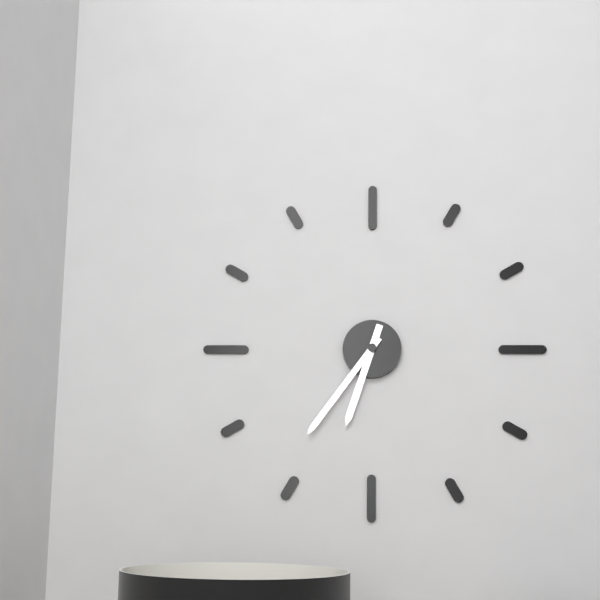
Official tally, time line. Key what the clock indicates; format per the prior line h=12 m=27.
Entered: h=6 m=36
